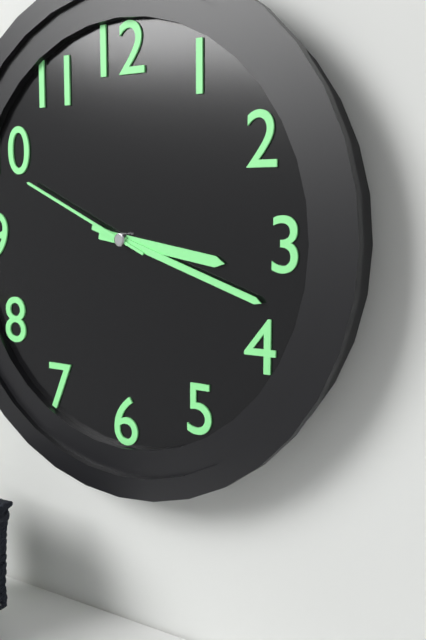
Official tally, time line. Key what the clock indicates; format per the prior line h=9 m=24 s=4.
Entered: h=3 m=18 s=49
